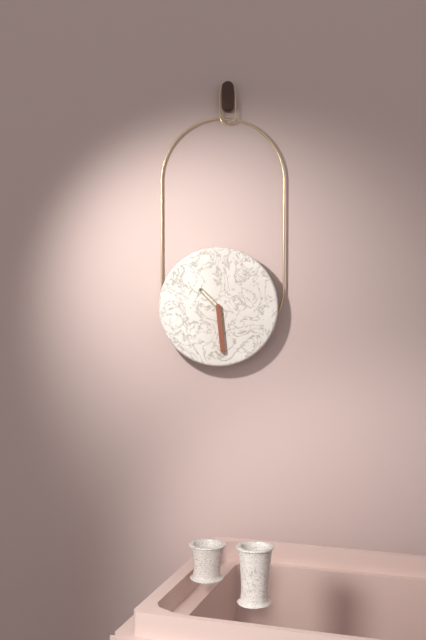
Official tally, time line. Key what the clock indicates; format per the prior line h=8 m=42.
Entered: h=10 m=29
